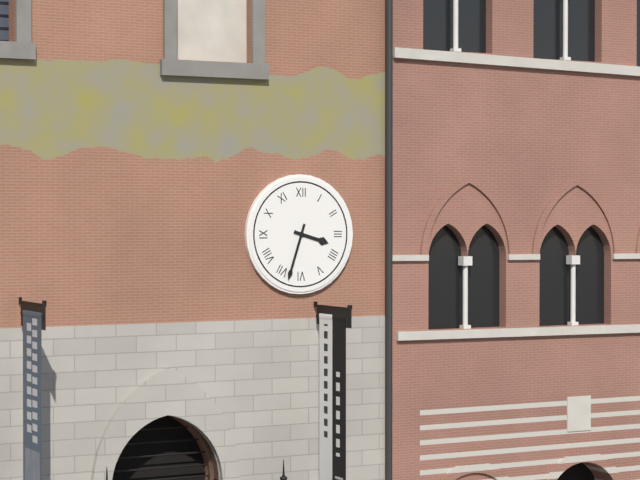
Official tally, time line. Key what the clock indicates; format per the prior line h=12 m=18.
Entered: h=3 m=33
